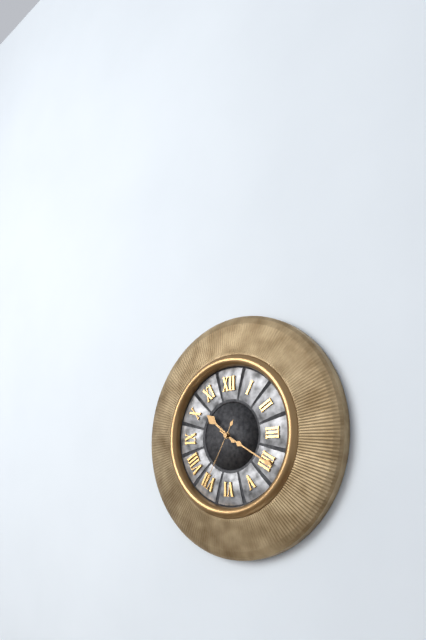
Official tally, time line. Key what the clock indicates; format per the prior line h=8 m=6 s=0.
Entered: h=10 m=20 s=35
